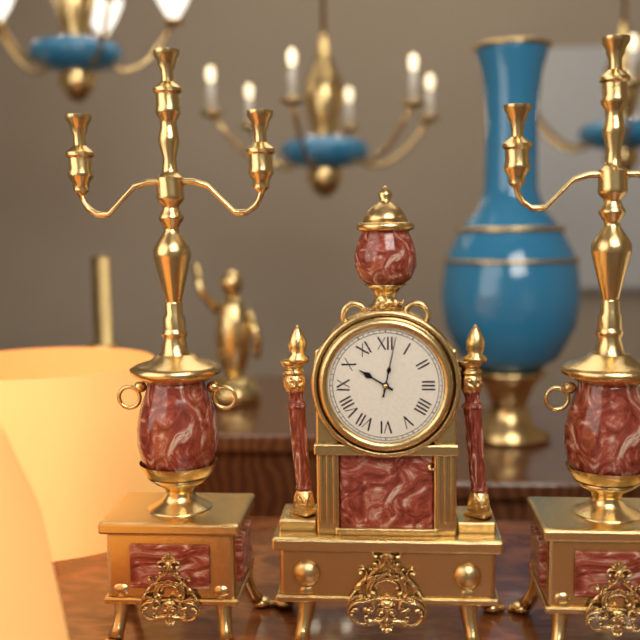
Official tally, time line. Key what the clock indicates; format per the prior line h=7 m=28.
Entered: h=10 m=2
